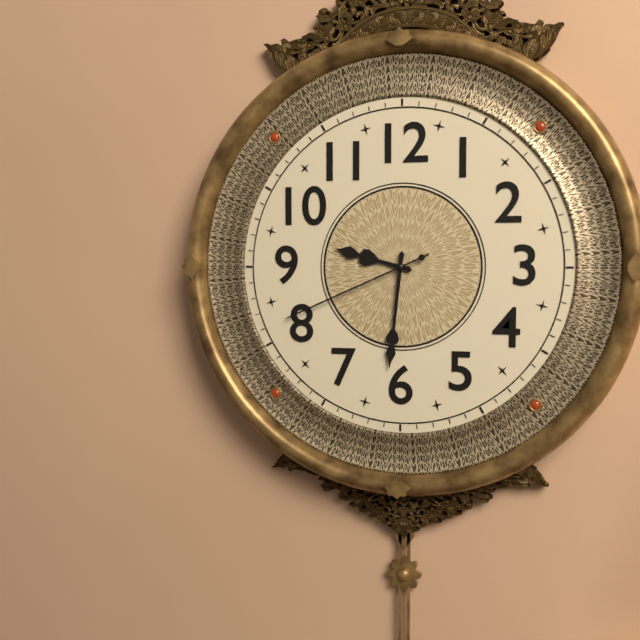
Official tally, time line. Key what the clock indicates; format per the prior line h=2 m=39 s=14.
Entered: h=9 m=31 s=41
